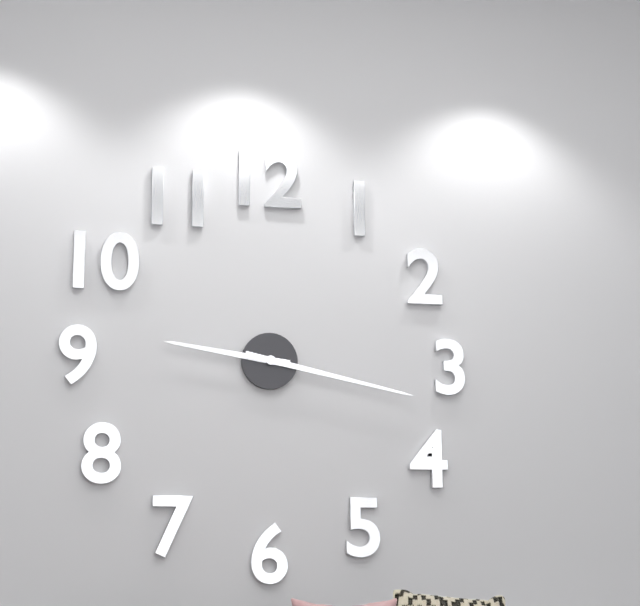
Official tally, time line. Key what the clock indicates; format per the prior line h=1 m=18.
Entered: h=9 m=17
